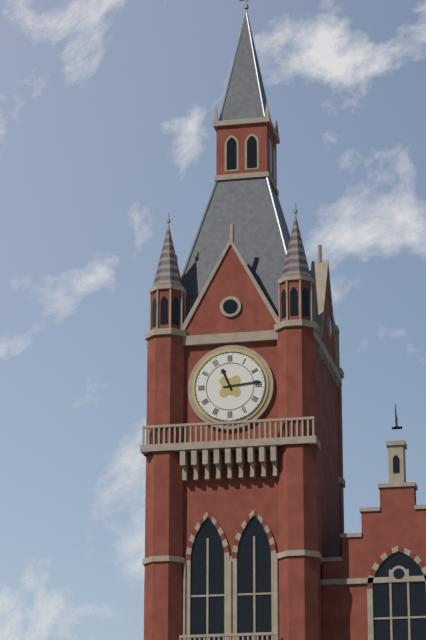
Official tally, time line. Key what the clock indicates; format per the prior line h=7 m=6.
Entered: h=11 m=14
